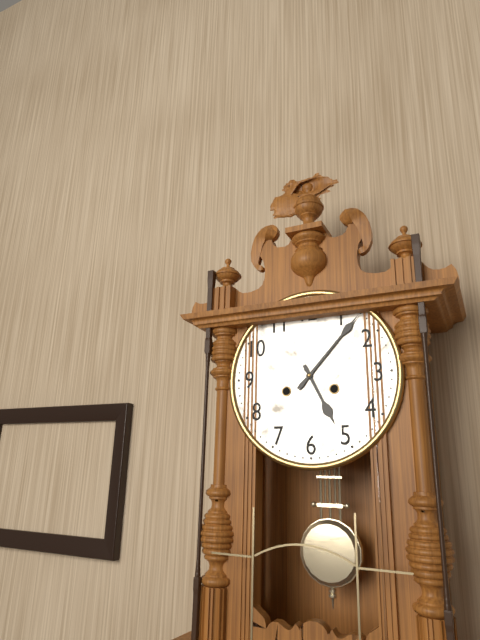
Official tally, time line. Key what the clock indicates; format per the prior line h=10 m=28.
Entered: h=5 m=7
